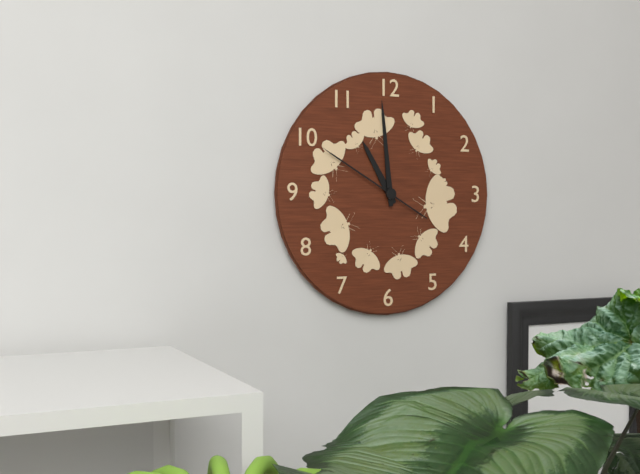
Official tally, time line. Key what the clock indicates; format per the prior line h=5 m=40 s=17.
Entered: h=10 m=59 s=50
